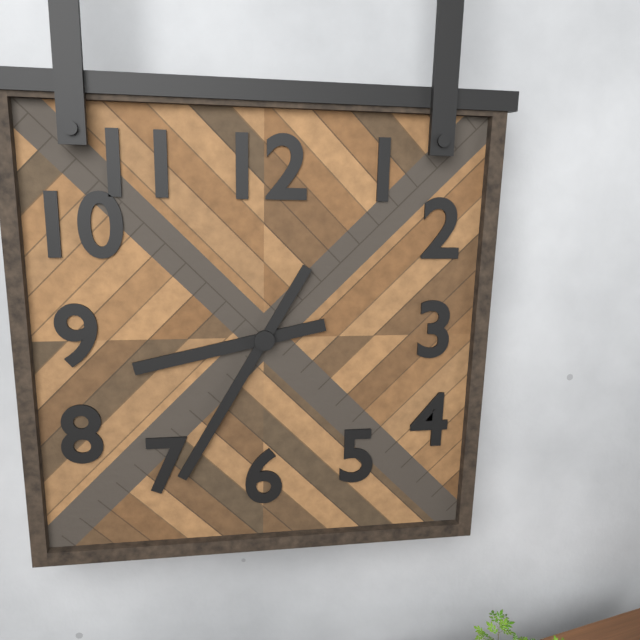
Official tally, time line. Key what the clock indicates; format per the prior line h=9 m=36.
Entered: h=8 m=35
